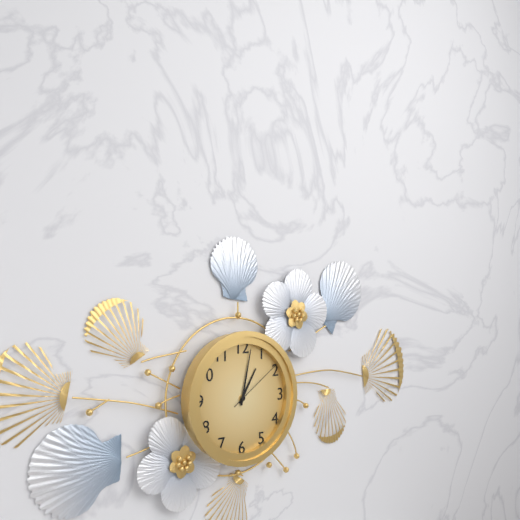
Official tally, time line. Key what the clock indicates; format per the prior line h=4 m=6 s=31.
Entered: h=1 m=2 s=9
